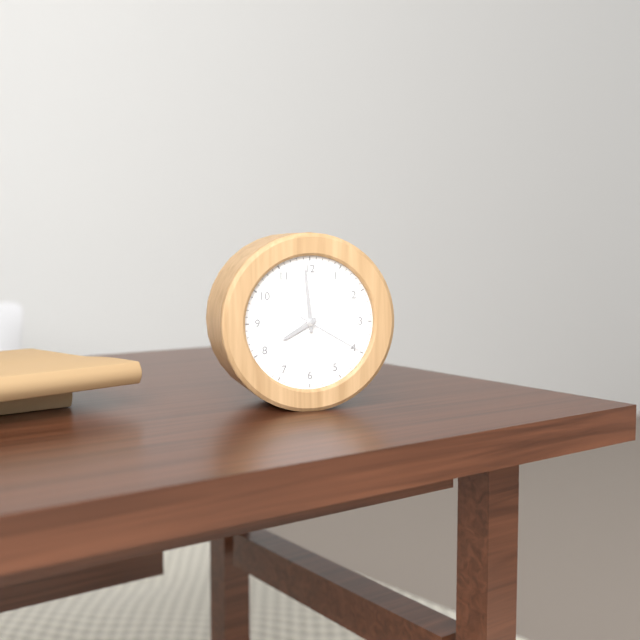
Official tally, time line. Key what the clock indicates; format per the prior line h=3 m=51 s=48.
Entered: h=7 m=59 s=20
